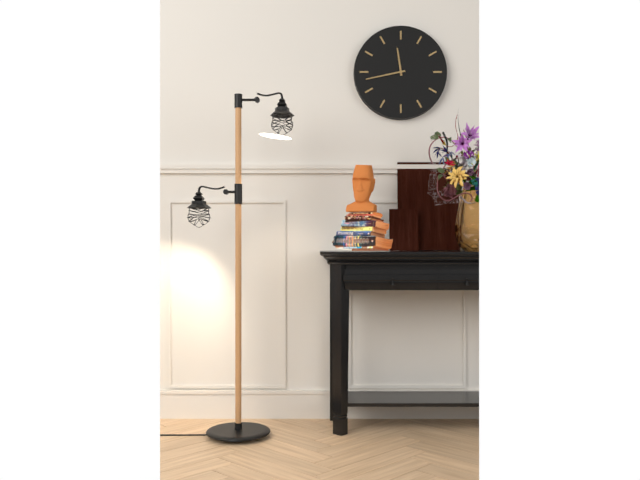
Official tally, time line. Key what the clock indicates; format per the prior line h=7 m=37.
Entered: h=11 m=43
